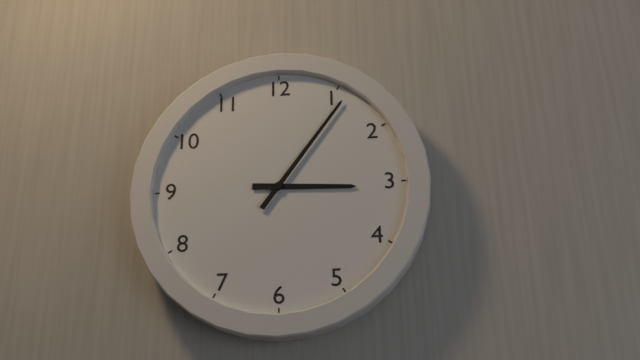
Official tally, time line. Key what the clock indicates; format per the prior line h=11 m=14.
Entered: h=3 m=6
